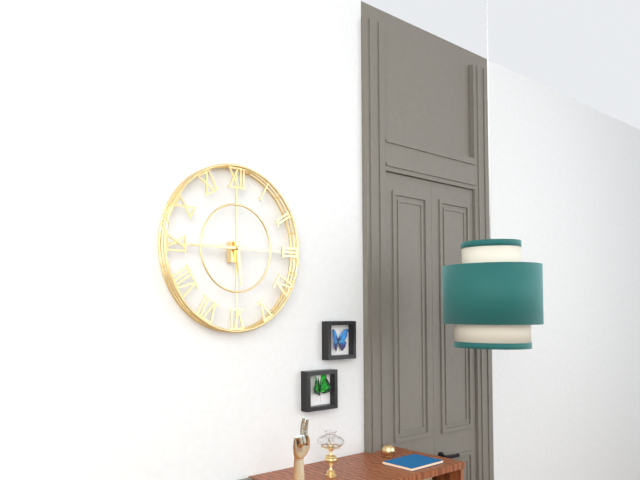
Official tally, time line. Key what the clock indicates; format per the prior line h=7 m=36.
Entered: h=5 m=45
